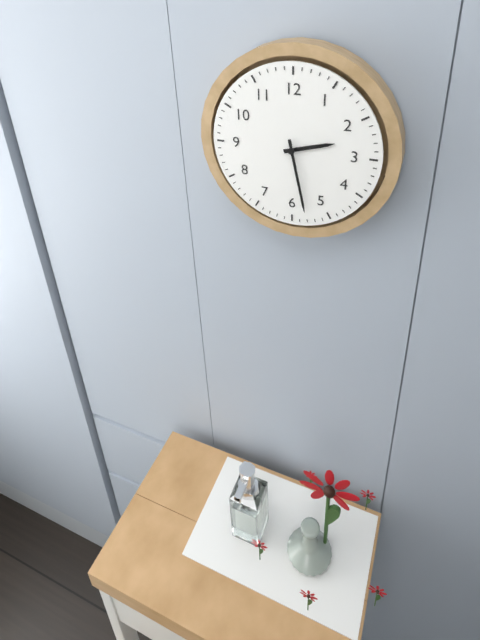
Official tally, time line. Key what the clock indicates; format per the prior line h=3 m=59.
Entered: h=2 m=28
